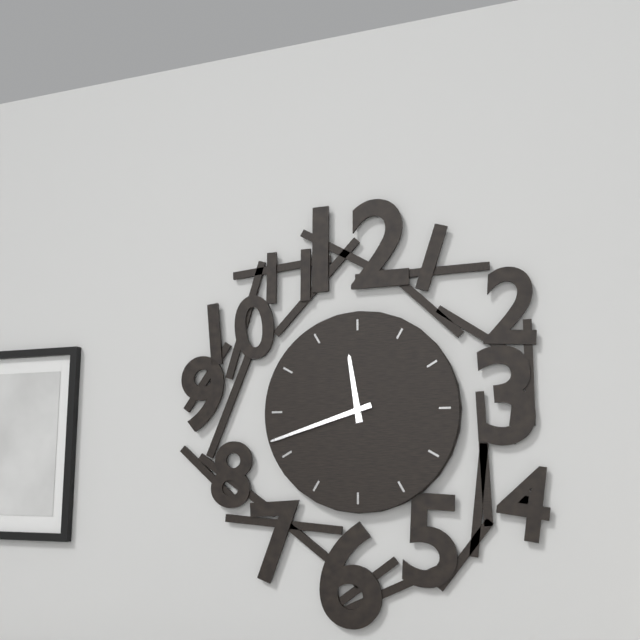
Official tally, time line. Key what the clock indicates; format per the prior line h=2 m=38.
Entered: h=11 m=42
